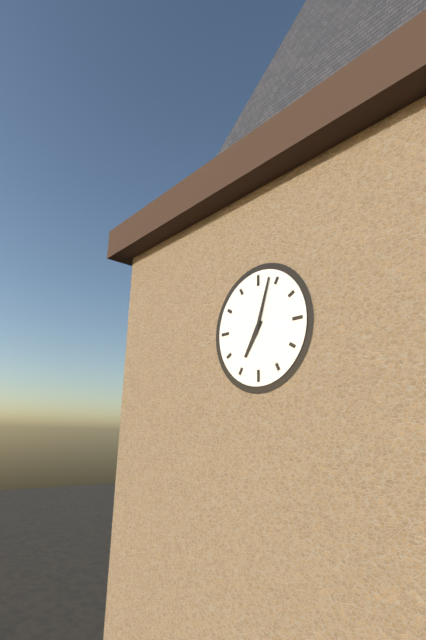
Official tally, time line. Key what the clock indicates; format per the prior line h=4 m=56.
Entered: h=7 m=3
